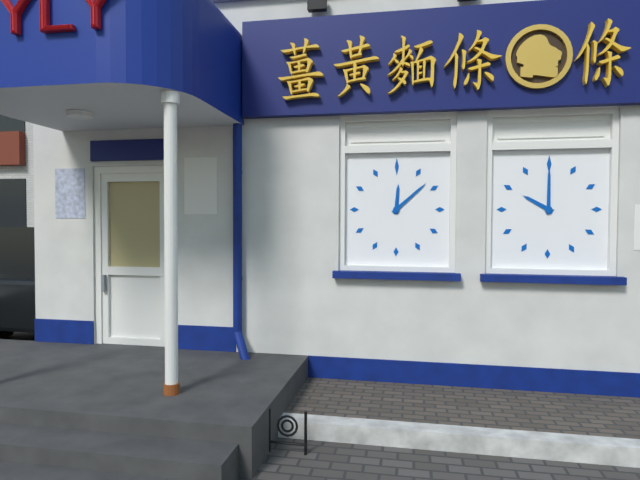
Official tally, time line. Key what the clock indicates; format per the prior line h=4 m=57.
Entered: h=12 m=8
